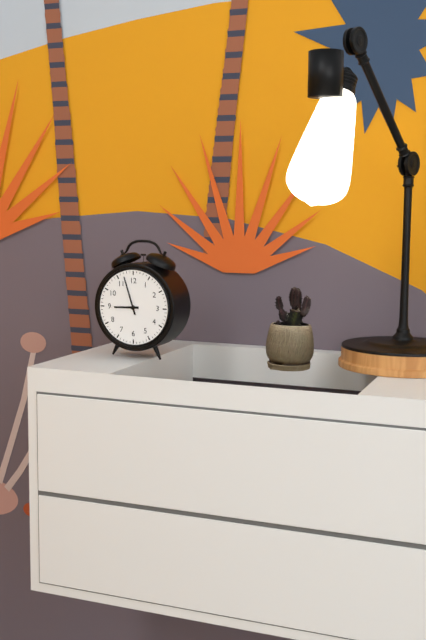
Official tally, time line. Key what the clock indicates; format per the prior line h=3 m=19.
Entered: h=8 m=57
